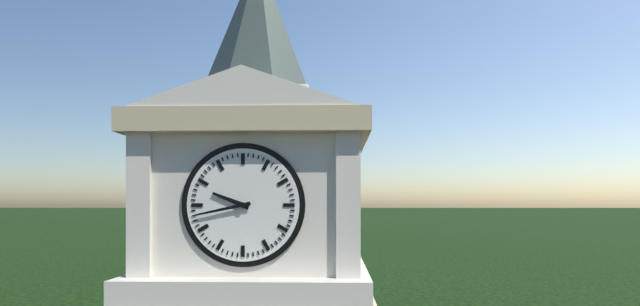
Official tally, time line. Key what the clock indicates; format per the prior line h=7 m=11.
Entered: h=9 m=43
